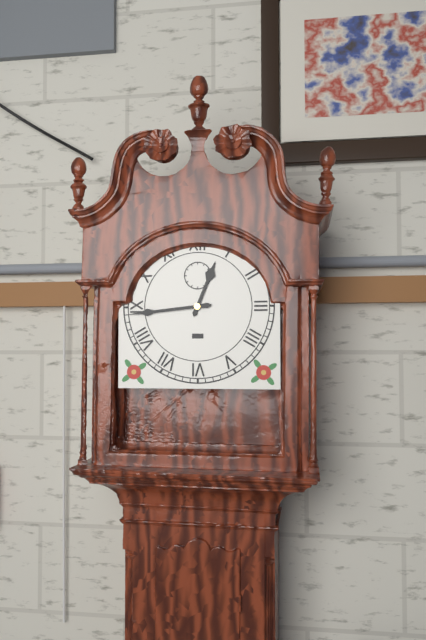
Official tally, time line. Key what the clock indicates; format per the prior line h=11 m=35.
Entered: h=12 m=44
